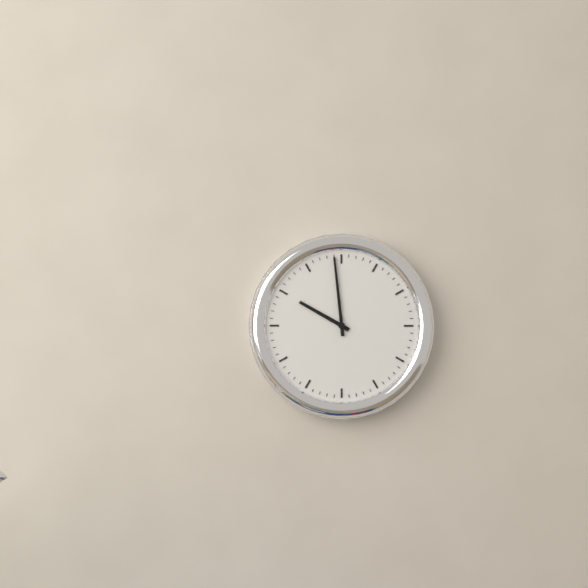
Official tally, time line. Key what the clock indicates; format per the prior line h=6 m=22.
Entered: h=9 m=59
